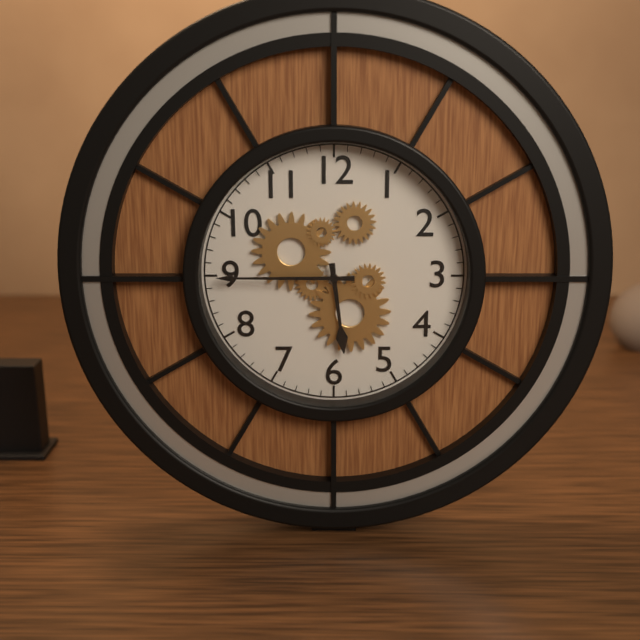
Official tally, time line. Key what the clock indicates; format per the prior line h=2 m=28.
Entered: h=5 m=45
